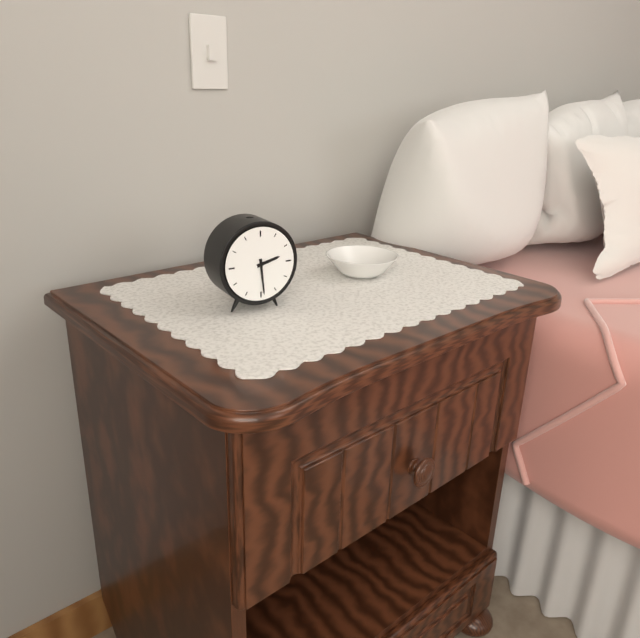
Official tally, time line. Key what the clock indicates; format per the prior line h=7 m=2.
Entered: h=2 m=29
